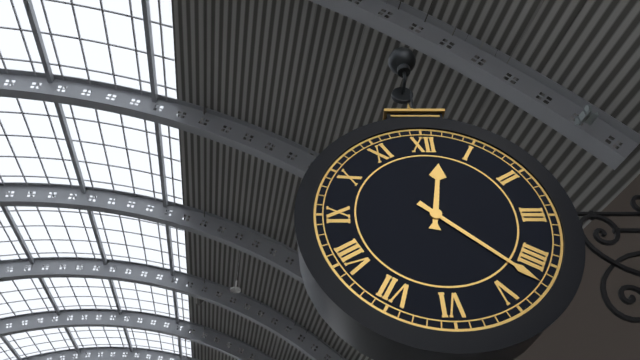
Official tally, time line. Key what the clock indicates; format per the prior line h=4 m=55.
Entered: h=12 m=22
